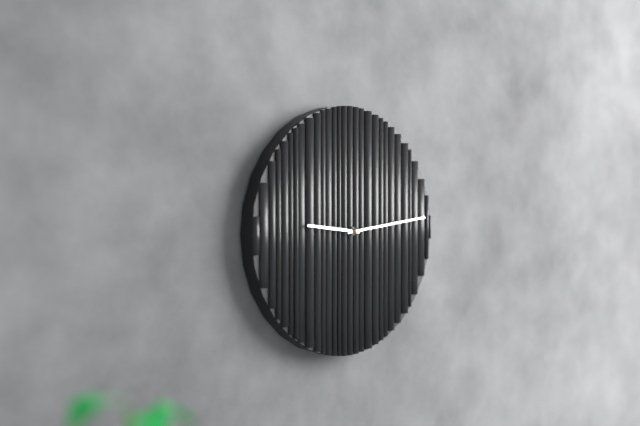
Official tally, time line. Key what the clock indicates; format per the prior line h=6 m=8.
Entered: h=9 m=14
